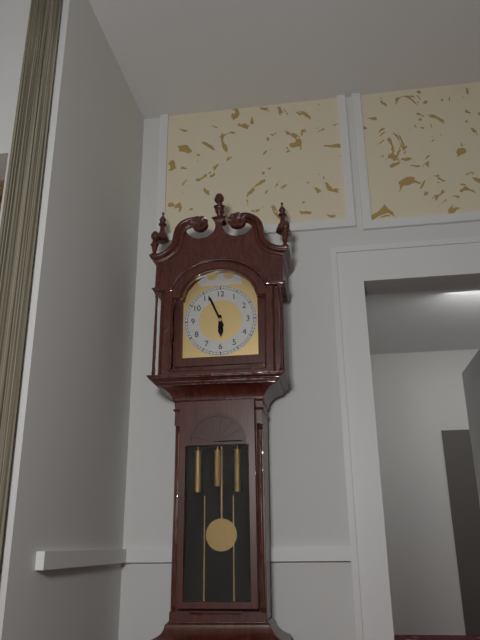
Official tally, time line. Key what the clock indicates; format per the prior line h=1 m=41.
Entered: h=5 m=56
